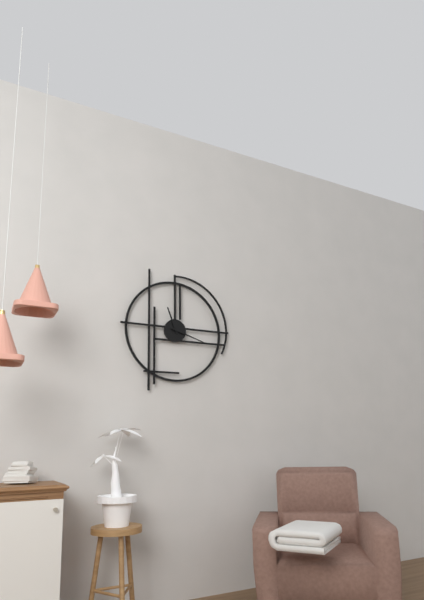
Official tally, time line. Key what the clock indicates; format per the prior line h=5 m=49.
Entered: h=11 m=18
